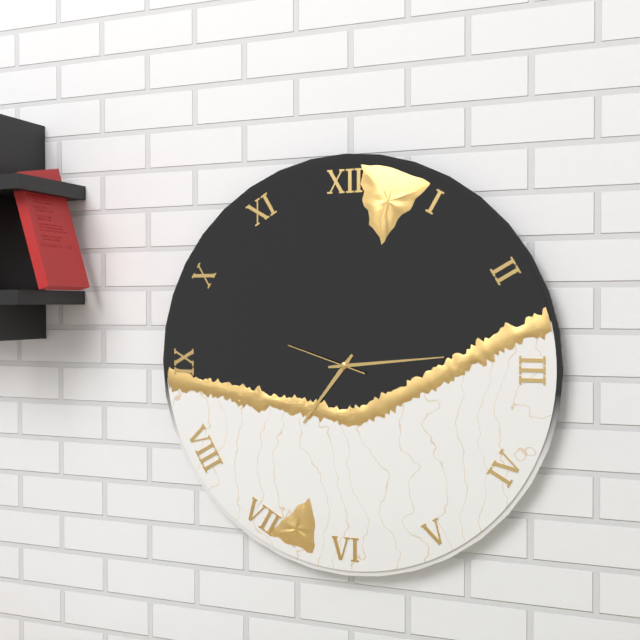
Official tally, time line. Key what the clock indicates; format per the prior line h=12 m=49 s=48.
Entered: h=7 m=14 s=48
